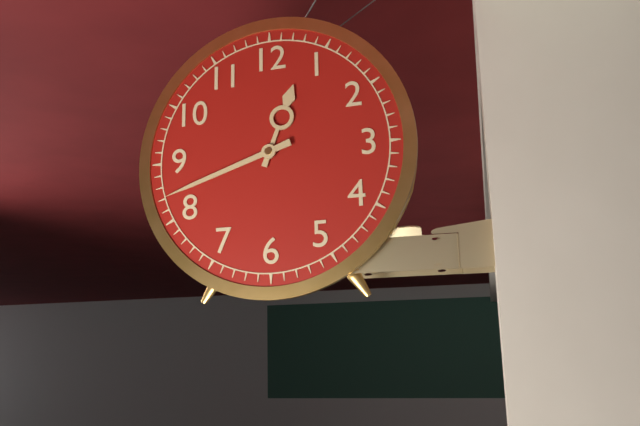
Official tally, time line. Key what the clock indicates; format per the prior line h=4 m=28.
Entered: h=12 m=42
